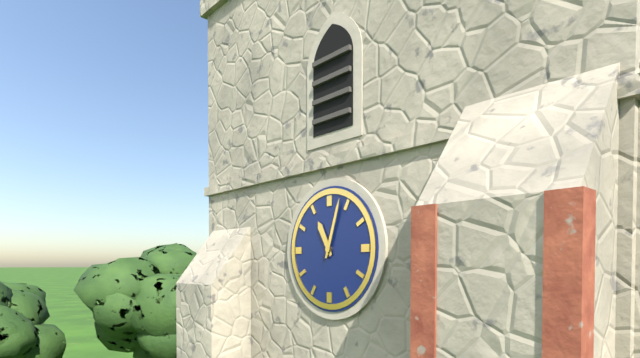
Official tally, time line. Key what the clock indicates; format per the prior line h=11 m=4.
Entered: h=11 m=3
